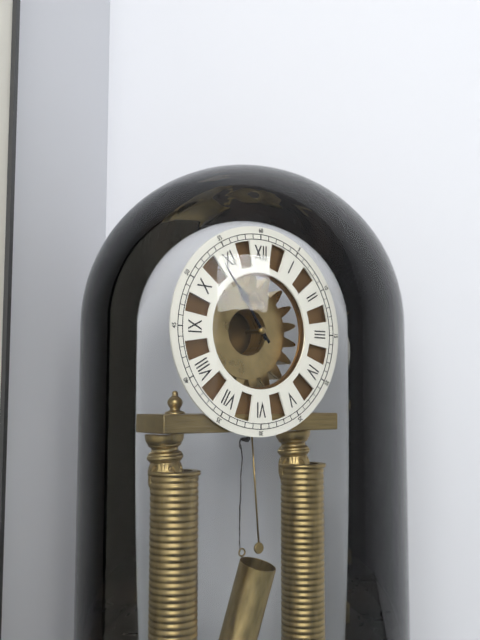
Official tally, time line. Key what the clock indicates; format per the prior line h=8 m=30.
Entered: h=10 m=54
